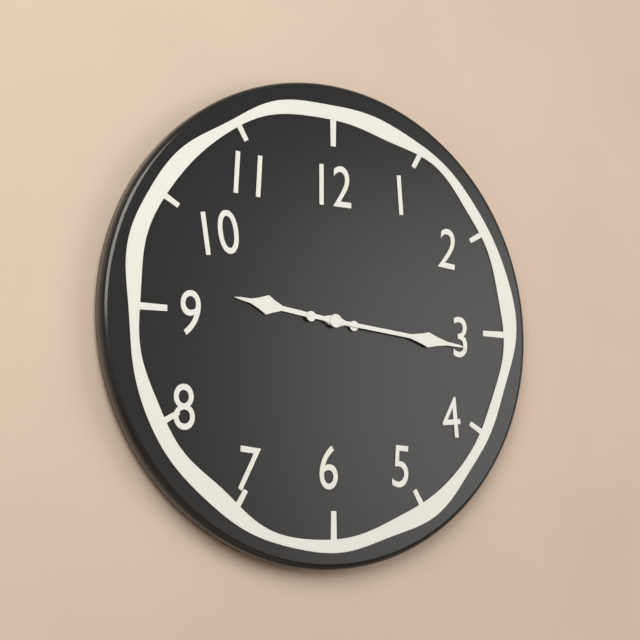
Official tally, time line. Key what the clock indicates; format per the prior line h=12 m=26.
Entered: h=9 m=16
